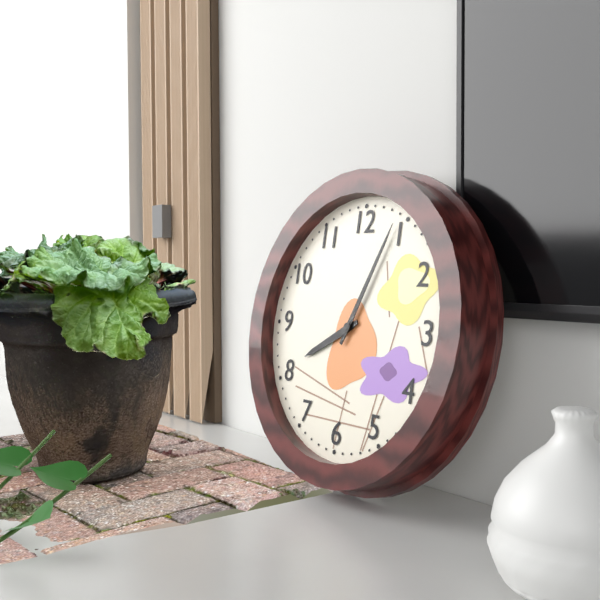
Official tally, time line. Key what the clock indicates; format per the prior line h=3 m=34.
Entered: h=8 m=4
